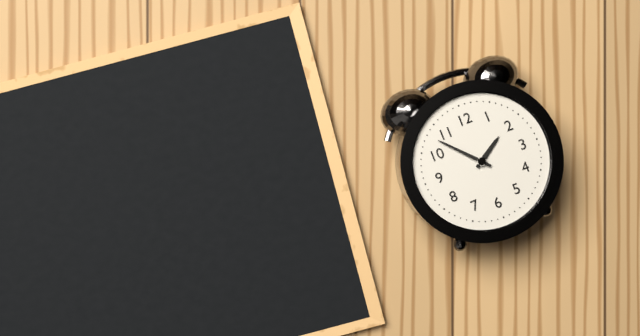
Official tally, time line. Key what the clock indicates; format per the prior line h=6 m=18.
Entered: h=1 m=53
